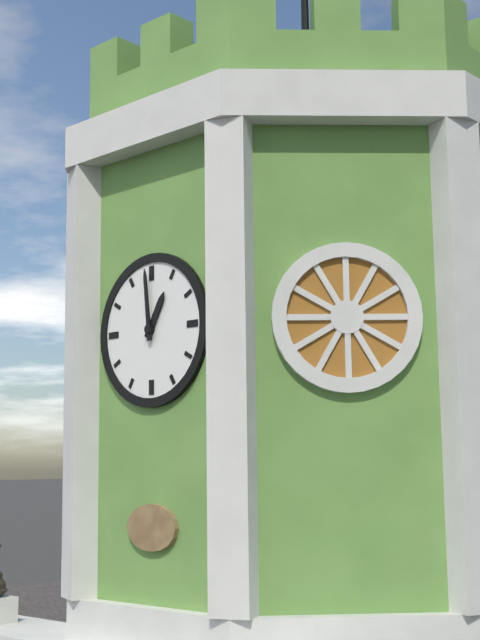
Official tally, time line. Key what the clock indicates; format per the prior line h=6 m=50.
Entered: h=12 m=59
